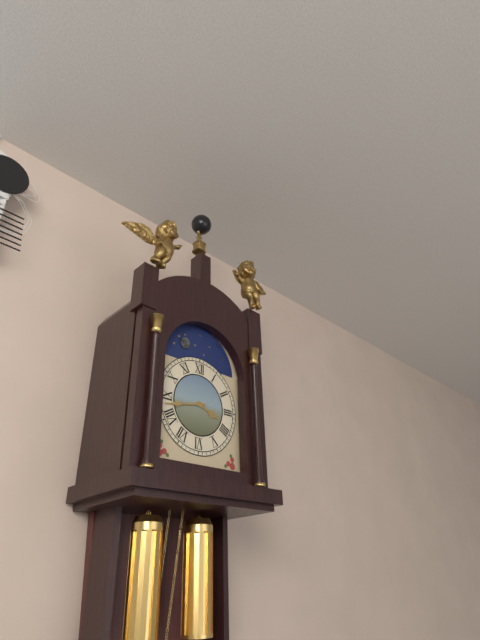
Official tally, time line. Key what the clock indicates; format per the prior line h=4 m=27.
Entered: h=3 m=43
